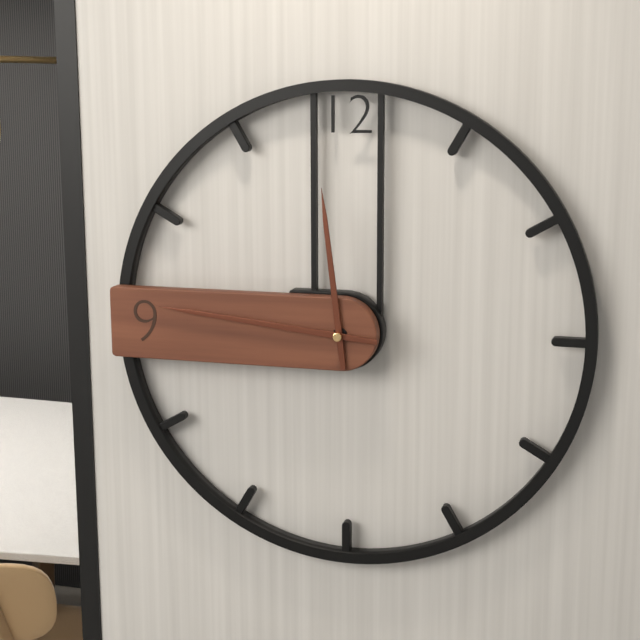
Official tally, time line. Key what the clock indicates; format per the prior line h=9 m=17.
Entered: h=11 m=46
